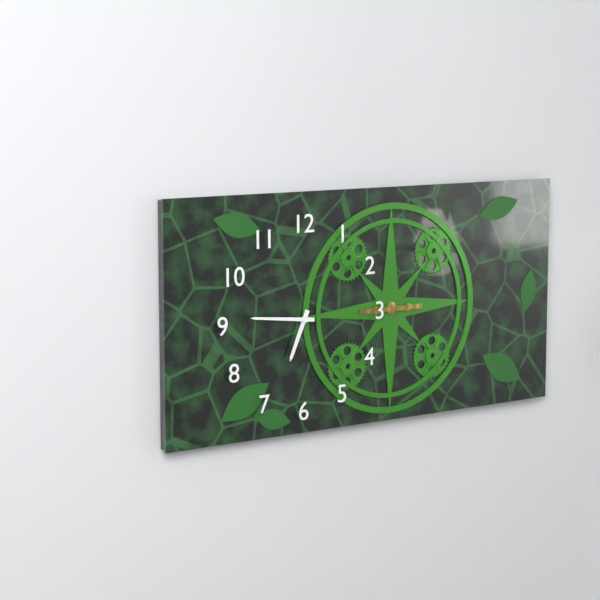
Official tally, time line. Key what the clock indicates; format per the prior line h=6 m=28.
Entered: h=6 m=46
